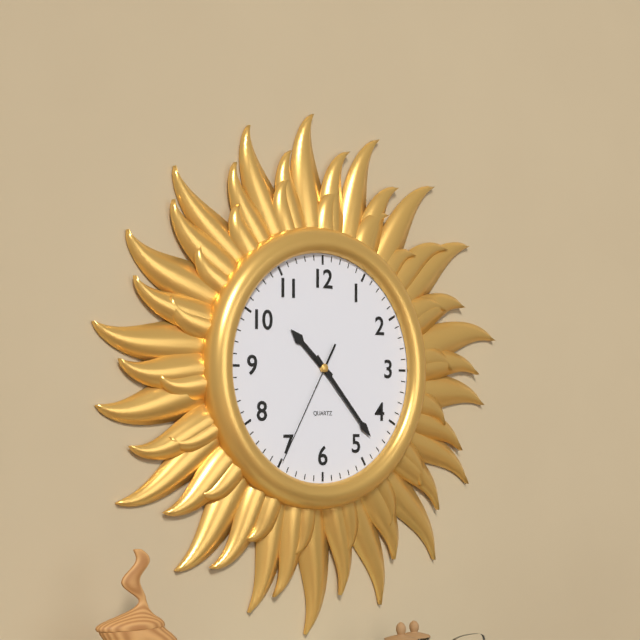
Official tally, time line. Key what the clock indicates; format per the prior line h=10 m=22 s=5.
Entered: h=10 m=23 s=35
